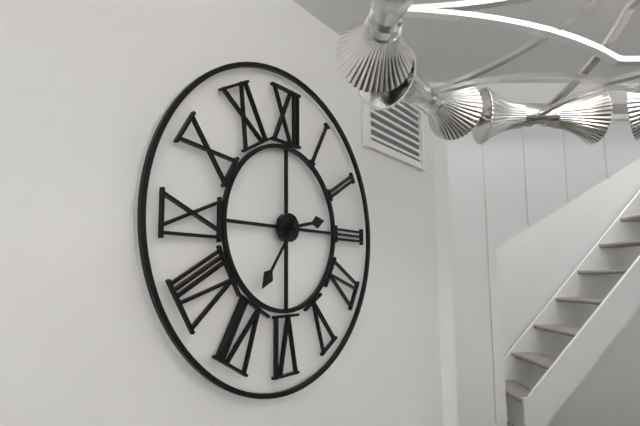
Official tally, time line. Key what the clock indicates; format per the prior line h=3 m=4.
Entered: h=2 m=36
